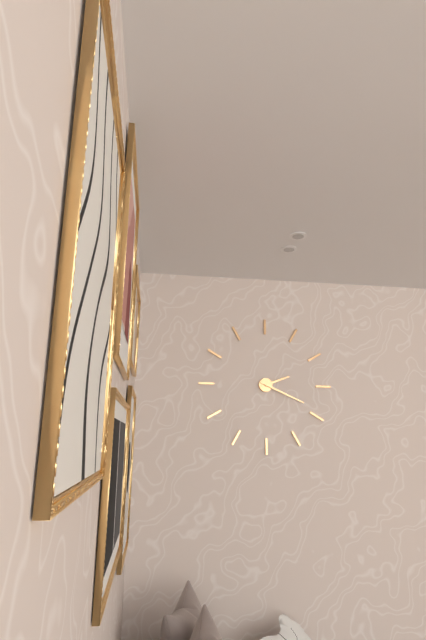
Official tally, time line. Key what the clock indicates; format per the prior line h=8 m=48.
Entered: h=2 m=19
